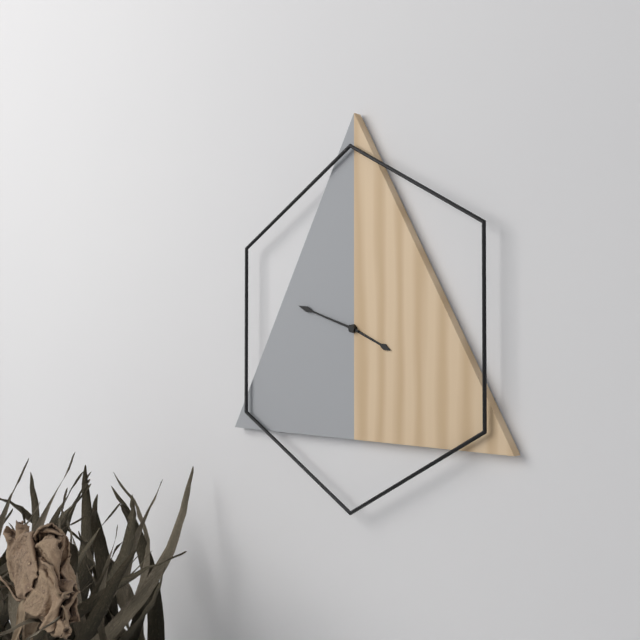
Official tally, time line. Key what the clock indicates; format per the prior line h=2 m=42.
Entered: h=3 m=48
